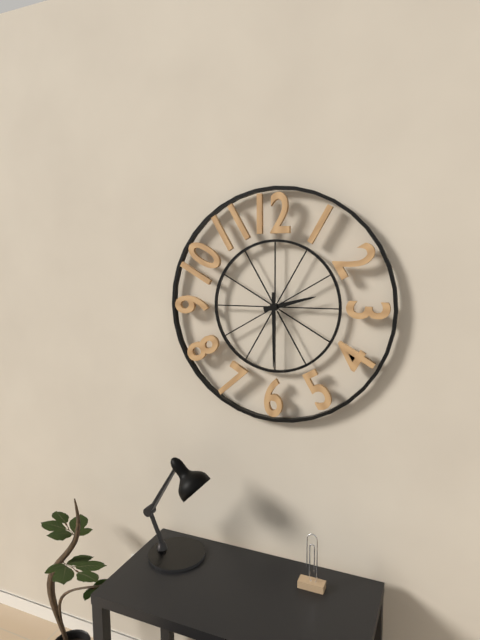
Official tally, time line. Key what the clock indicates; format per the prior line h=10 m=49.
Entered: h=2 m=30
